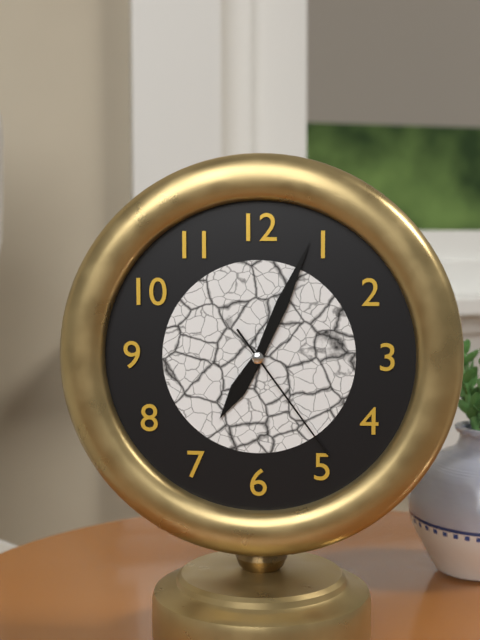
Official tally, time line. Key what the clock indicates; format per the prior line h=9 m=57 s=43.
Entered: h=7 m=4 s=24
